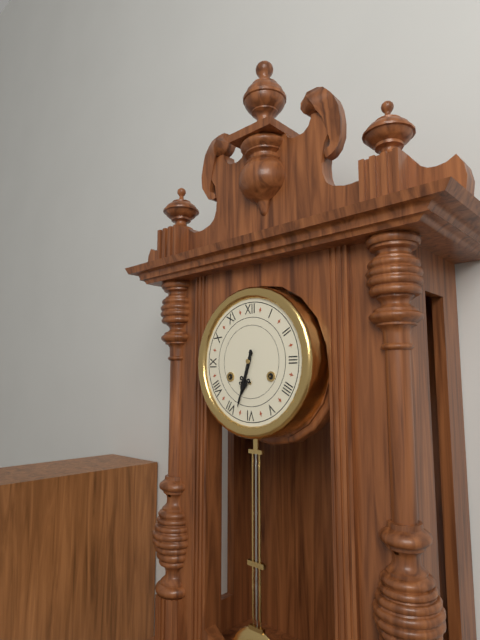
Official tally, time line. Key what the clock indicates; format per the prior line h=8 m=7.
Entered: h=6 m=33
